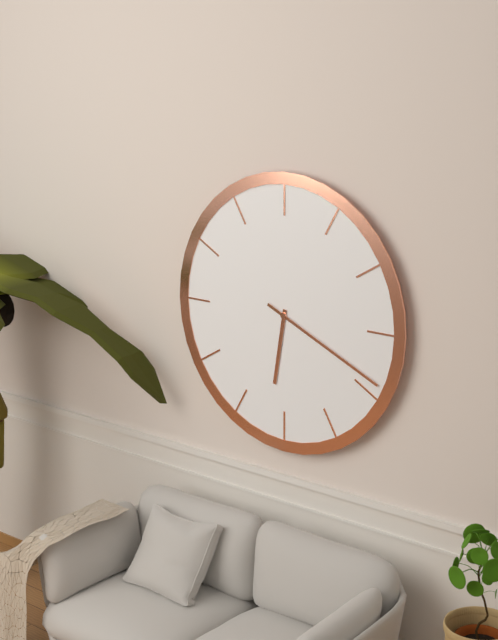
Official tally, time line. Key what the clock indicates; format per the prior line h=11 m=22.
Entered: h=6 m=19
